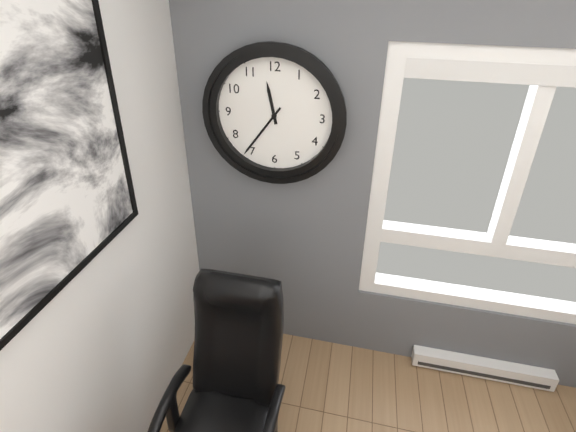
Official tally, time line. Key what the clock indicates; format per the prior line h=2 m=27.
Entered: h=11 m=36
